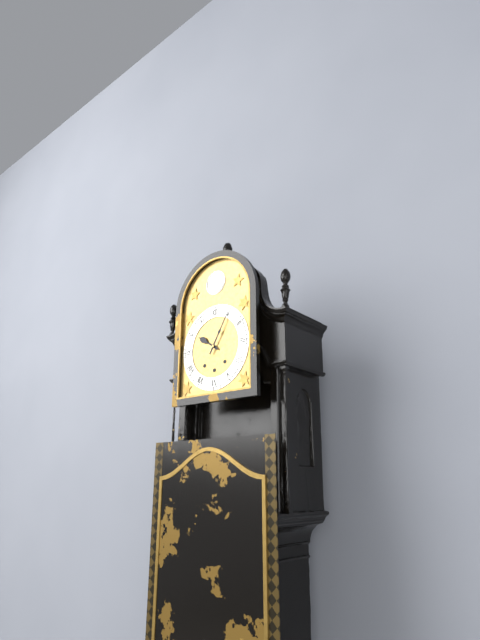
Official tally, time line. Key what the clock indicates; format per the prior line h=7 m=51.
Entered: h=10 m=5
